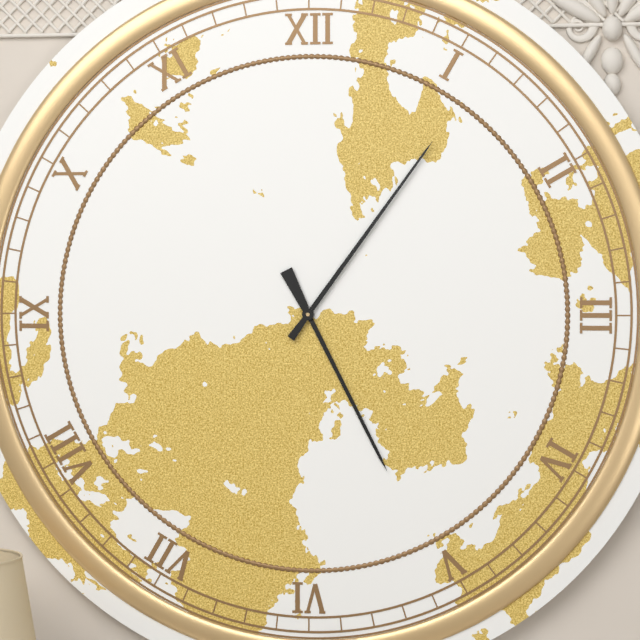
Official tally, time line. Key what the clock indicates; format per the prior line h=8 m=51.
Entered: h=5 m=6
